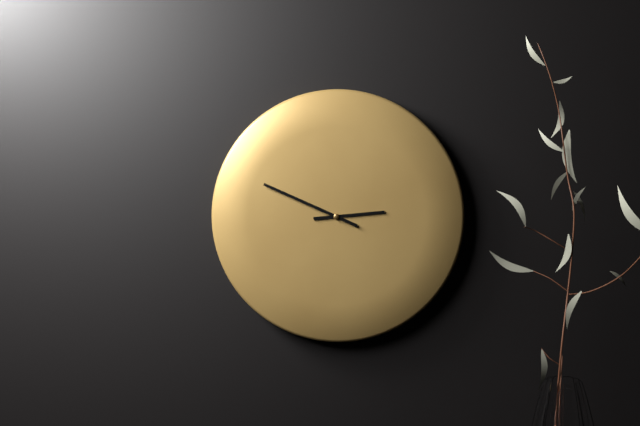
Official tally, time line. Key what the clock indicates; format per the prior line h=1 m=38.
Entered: h=2 m=49
